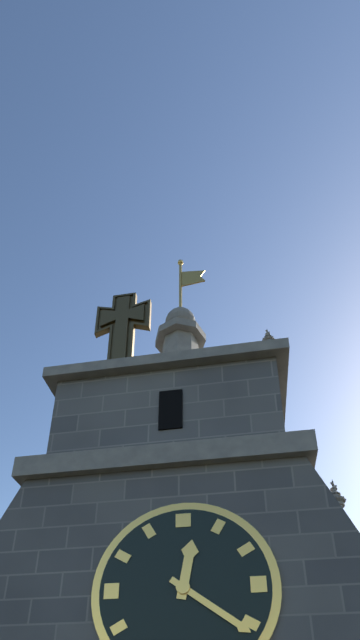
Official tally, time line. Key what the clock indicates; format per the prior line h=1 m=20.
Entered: h=12 m=21
